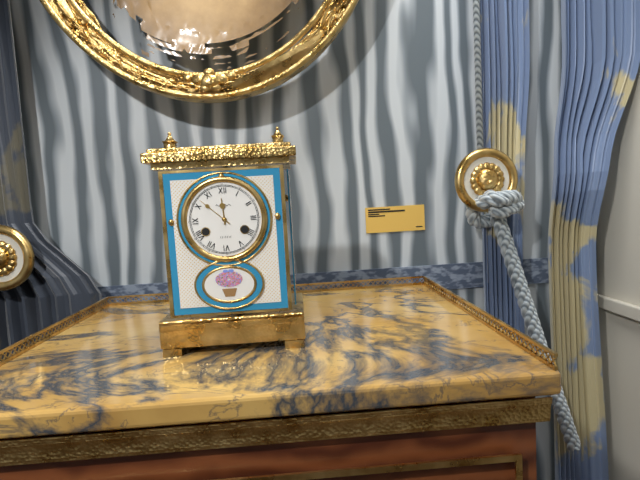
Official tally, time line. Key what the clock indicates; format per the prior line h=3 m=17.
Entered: h=11 m=52
